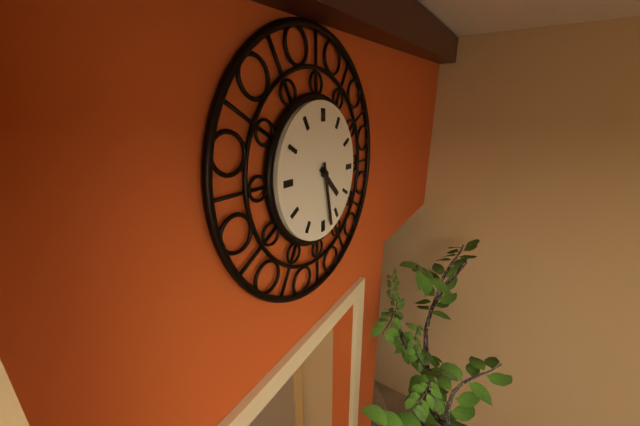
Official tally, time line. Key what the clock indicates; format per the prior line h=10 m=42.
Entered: h=4 m=28
